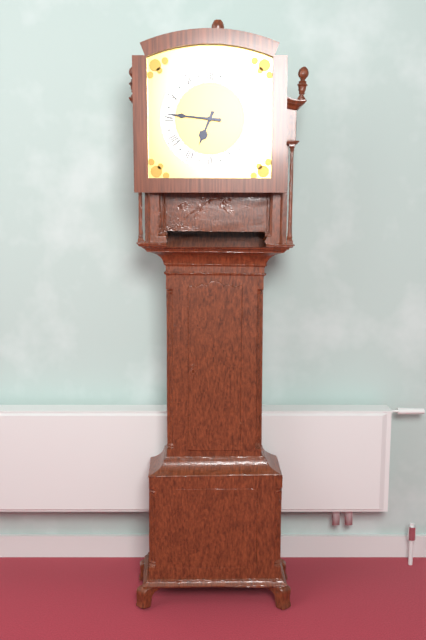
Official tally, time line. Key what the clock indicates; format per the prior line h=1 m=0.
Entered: h=6 m=46
